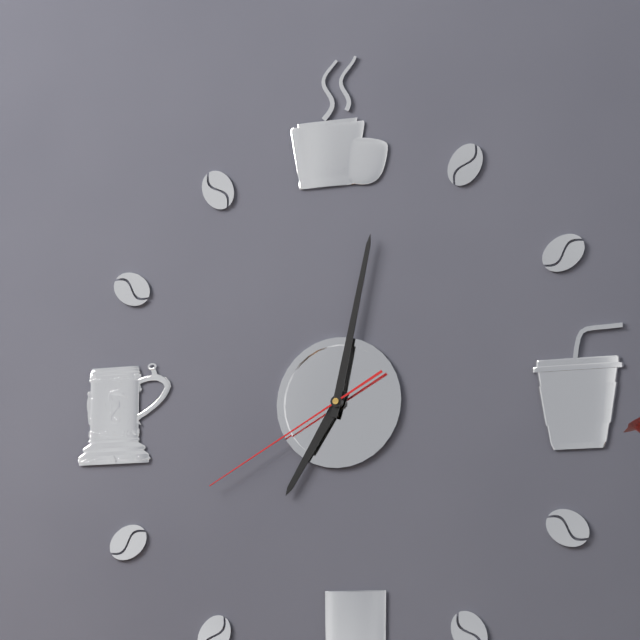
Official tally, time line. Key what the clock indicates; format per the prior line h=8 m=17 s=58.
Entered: h=7 m=2 s=40
